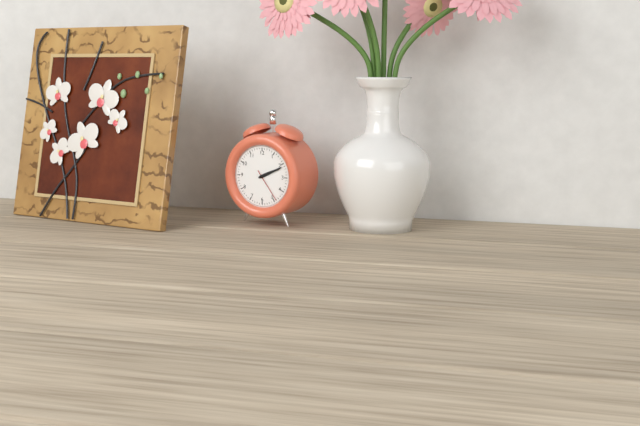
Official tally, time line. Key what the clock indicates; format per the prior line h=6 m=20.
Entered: h=2 m=11
